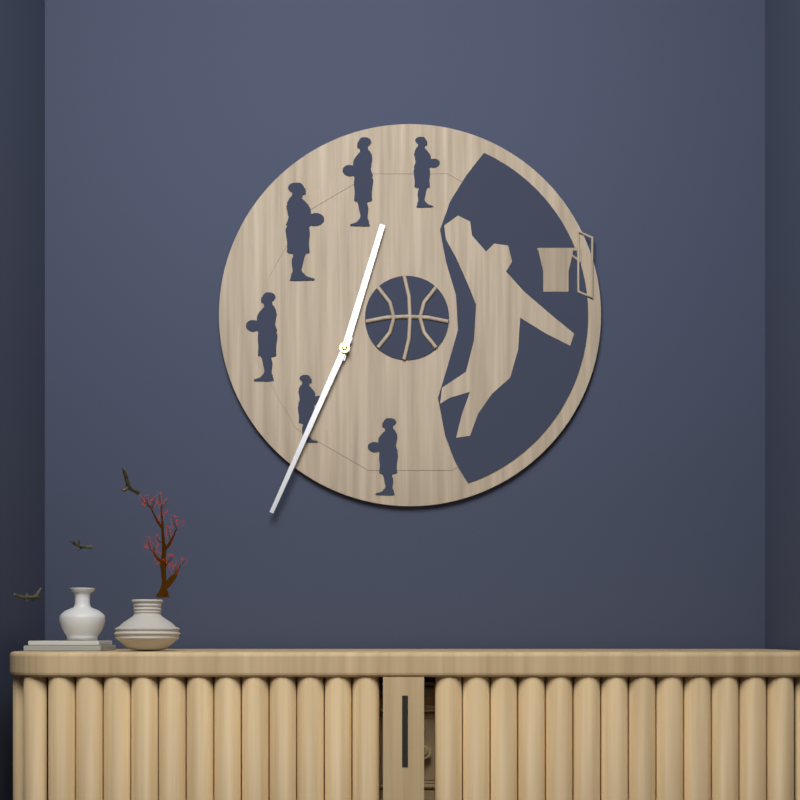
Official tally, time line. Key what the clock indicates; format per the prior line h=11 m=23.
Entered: h=12 m=34
